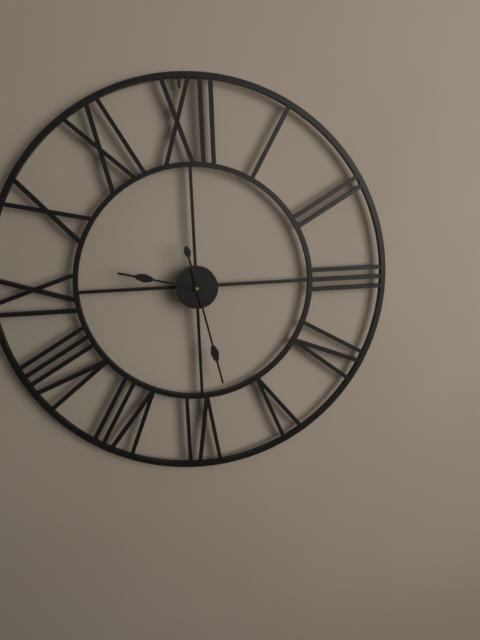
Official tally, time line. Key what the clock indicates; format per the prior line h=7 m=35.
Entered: h=9 m=28
